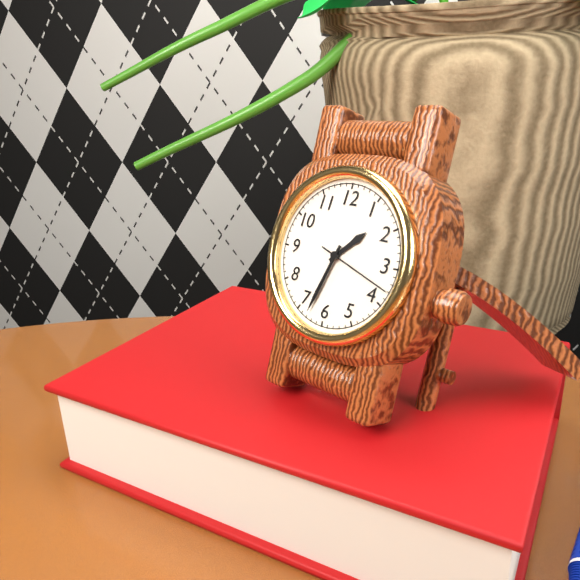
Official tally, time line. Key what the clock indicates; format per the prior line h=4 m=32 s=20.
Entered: h=1 m=33 s=18
